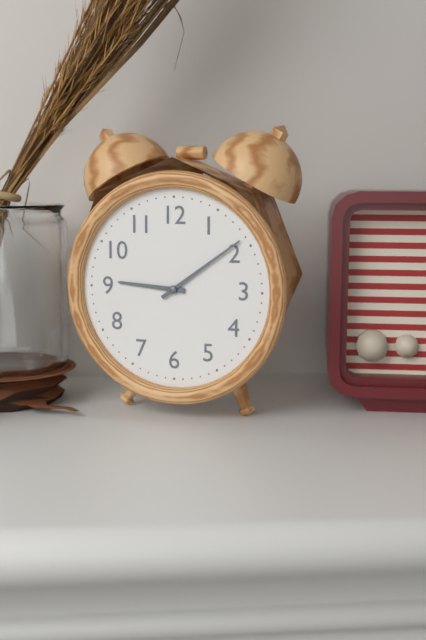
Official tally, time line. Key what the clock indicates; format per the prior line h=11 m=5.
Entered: h=9 m=9
